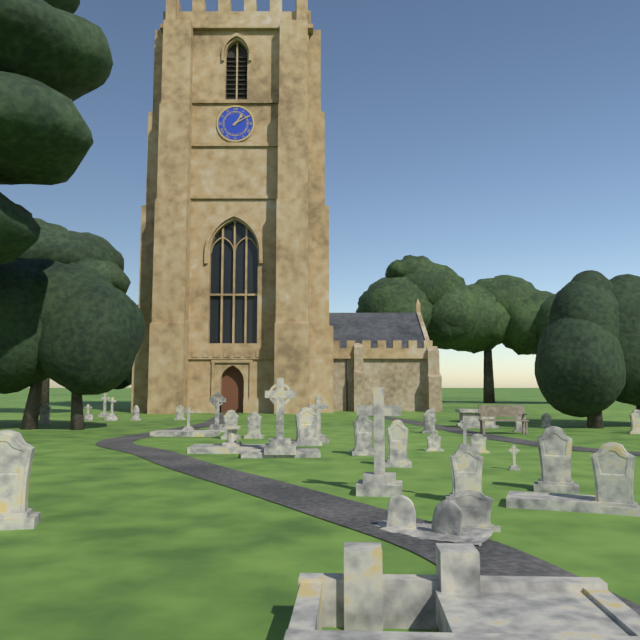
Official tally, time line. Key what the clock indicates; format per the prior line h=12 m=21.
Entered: h=1 m=10
